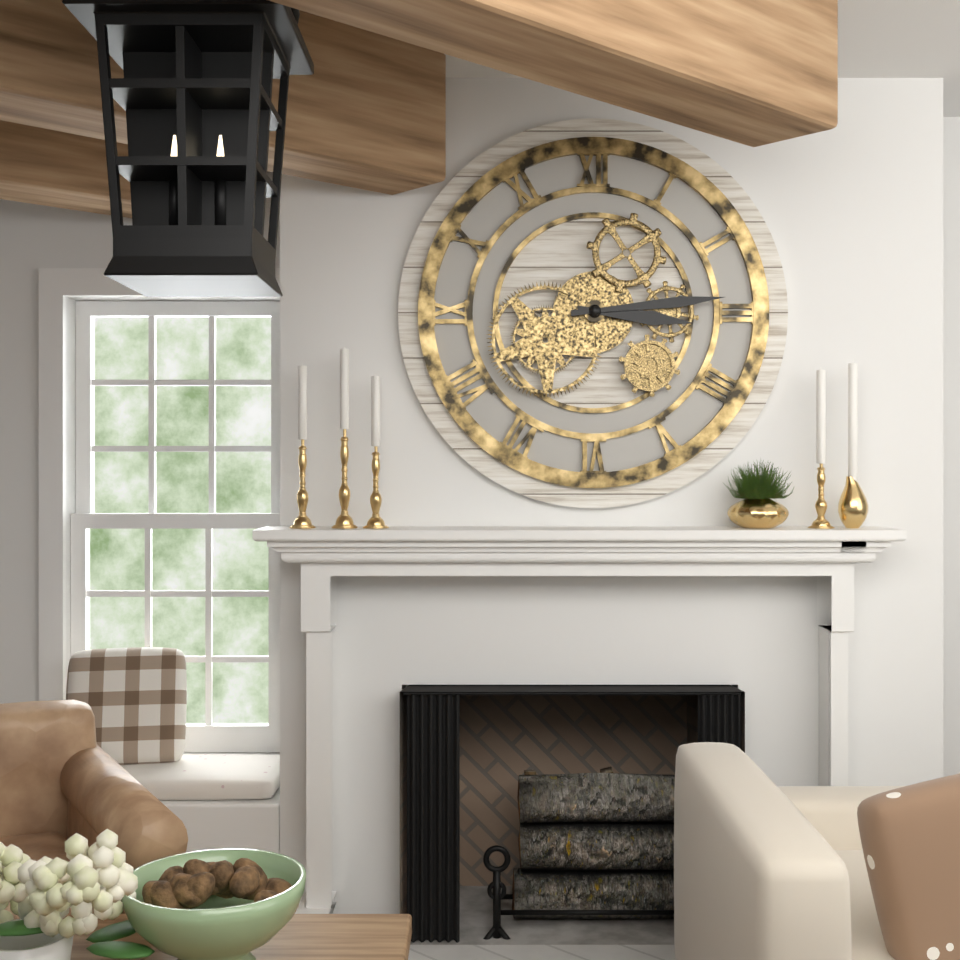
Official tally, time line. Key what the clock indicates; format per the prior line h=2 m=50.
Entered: h=3 m=14
